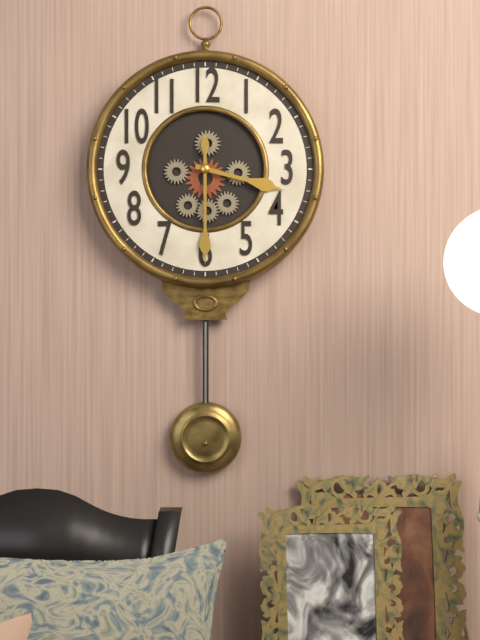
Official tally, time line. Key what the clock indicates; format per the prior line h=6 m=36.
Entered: h=3 m=30
